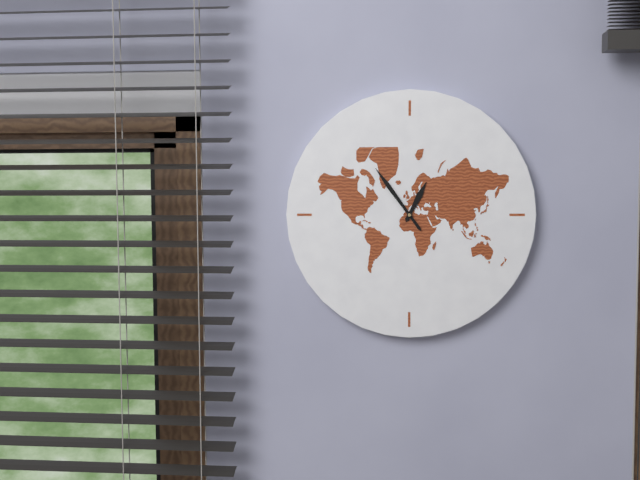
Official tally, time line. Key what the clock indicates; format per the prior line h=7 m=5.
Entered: h=12 m=54
